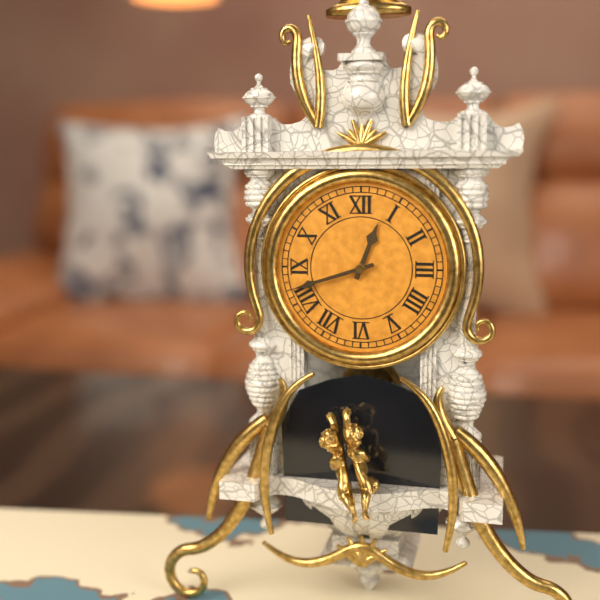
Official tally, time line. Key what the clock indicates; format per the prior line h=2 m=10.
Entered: h=12 m=42
